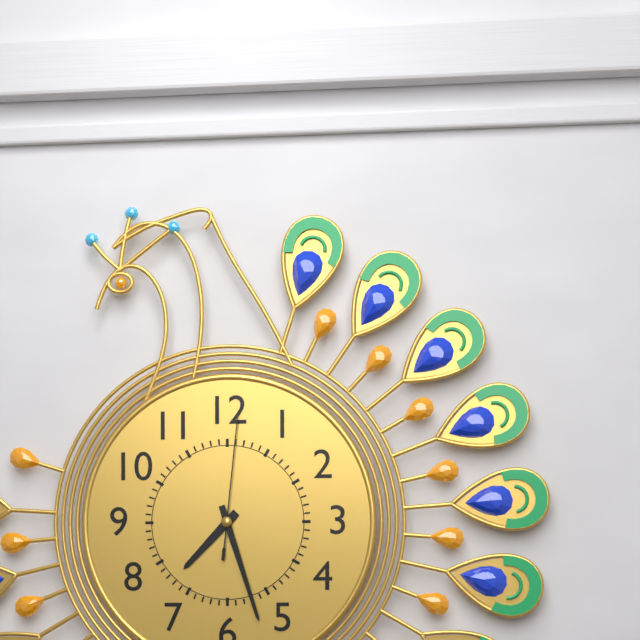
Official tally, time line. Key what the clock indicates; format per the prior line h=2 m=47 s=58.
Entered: h=7 m=27 s=1
